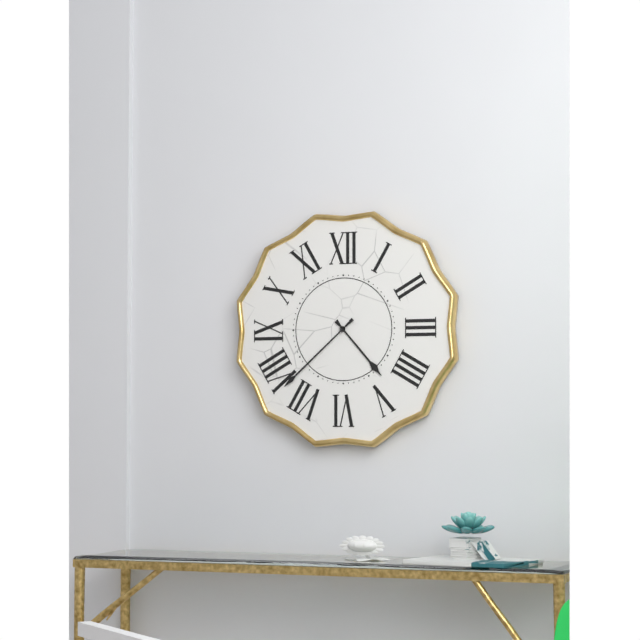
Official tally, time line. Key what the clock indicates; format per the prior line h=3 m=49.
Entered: h=4 m=38
